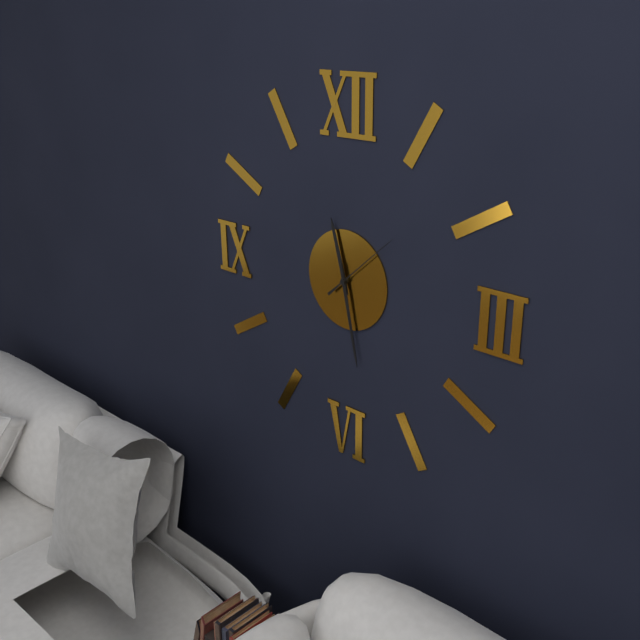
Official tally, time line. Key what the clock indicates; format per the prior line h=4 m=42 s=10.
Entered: h=11 m=28 s=8
